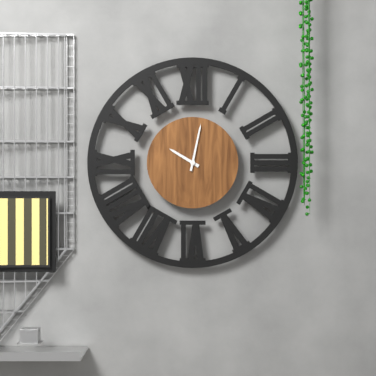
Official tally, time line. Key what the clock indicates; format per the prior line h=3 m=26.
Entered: h=10 m=2
